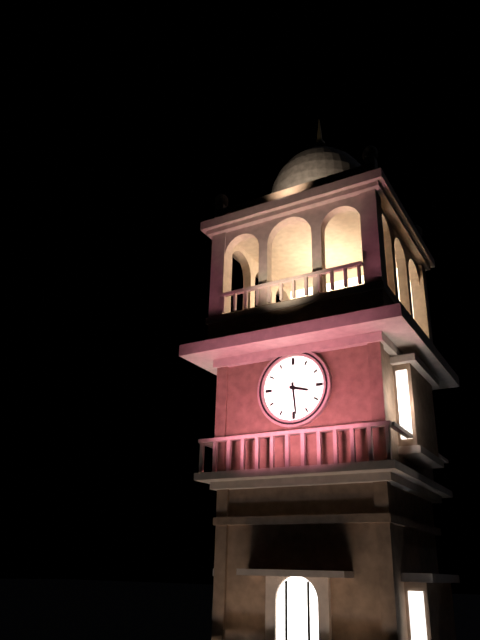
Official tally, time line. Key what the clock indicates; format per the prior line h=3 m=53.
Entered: h=3 m=29
